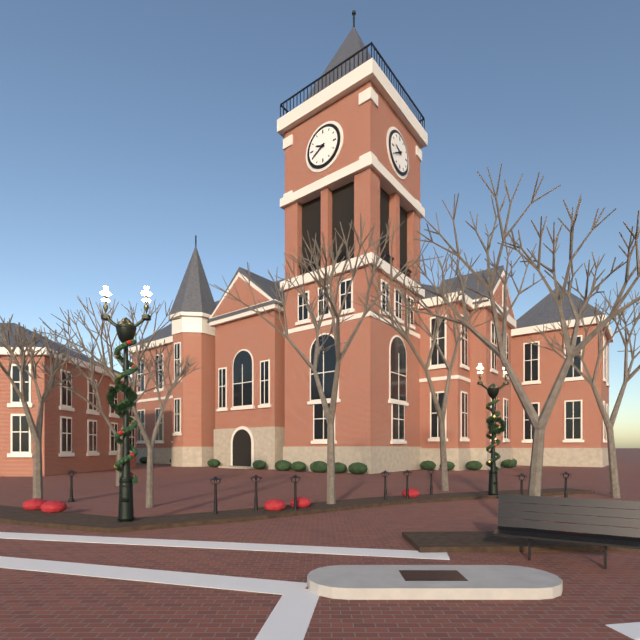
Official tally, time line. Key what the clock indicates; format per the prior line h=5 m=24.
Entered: h=9 m=40
